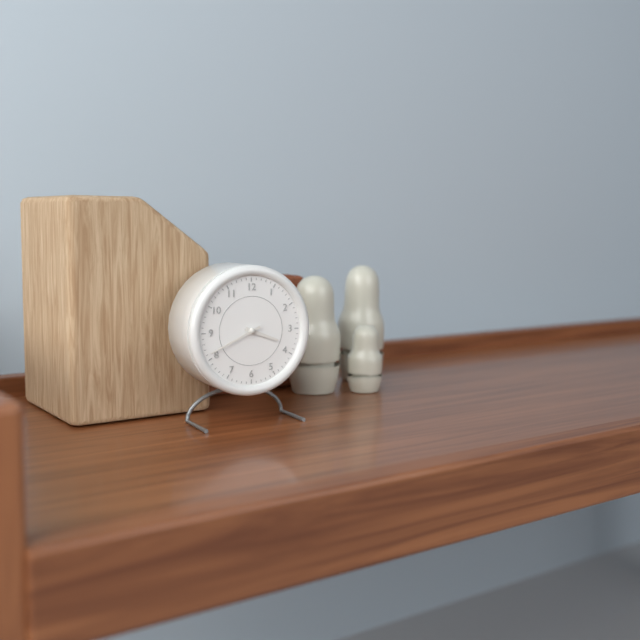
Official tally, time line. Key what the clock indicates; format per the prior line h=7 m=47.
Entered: h=3 m=41
